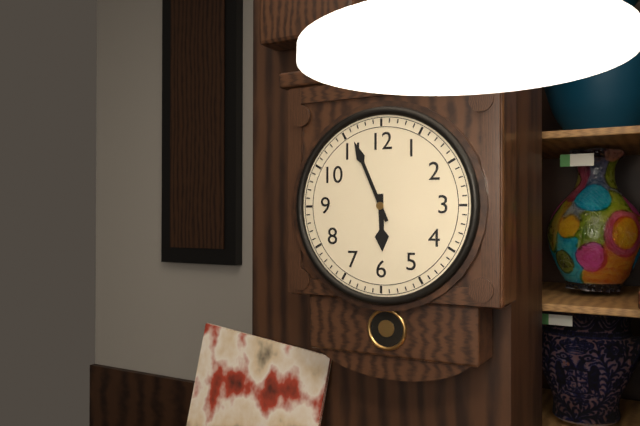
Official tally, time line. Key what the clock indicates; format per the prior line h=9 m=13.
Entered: h=5 m=56
